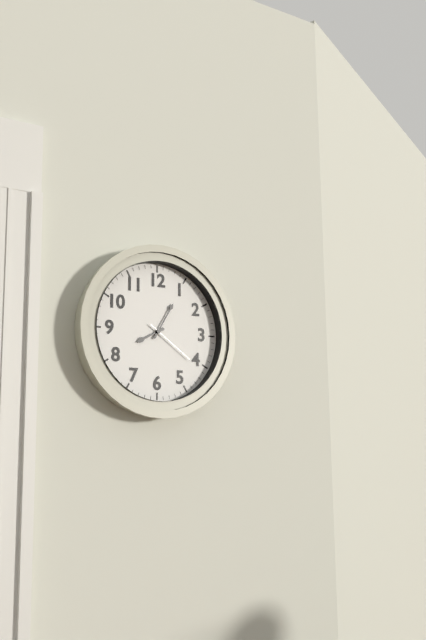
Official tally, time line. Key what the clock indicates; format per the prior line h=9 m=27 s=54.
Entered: h=8 m=5 s=21
